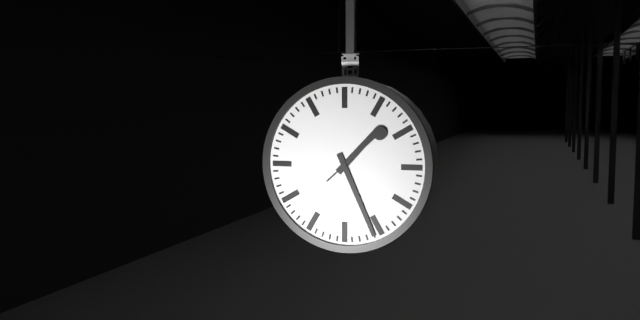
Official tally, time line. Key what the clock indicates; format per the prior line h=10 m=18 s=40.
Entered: h=1 m=26 s=8
